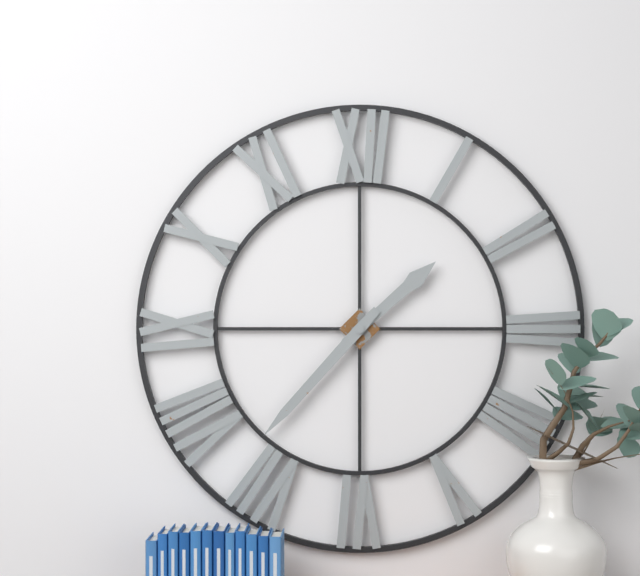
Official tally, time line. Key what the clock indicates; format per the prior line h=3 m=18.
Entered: h=1 m=37
